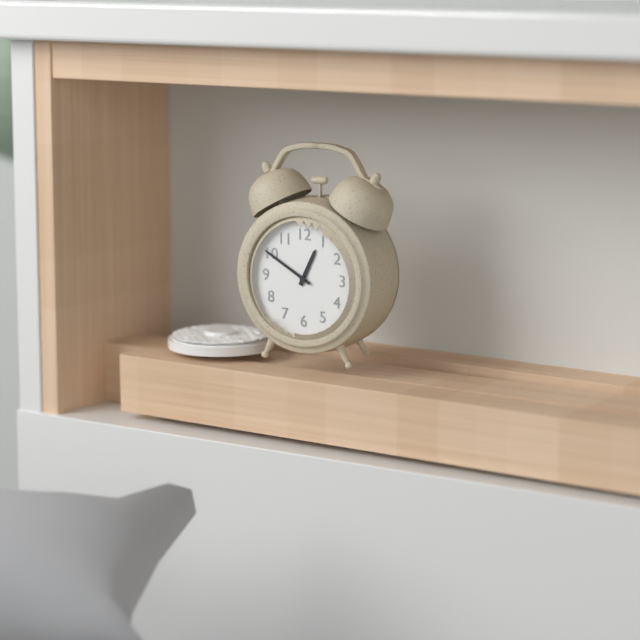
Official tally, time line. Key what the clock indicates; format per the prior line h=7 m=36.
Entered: h=12 m=50
